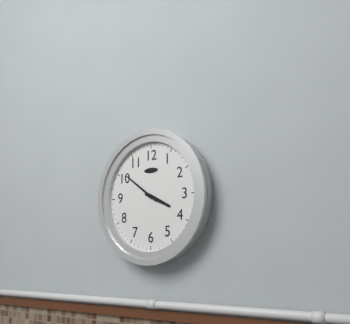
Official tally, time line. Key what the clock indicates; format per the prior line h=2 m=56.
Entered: h=3 m=51
